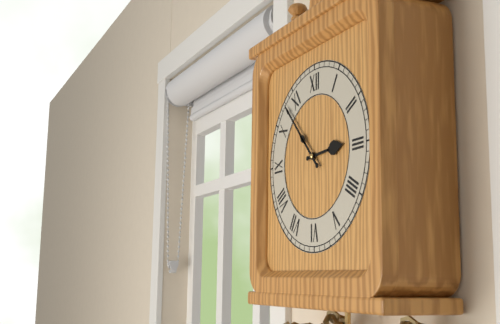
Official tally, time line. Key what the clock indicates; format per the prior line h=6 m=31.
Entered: h=2 m=53
